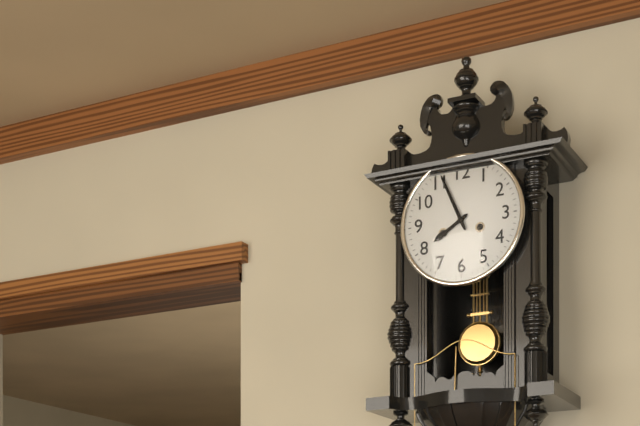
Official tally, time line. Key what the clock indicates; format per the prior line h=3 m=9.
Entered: h=7 m=56
